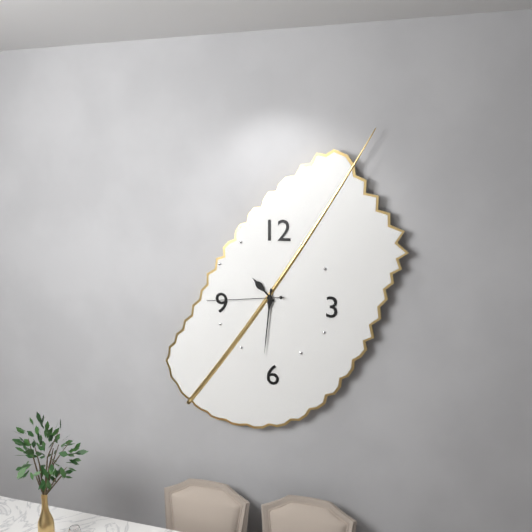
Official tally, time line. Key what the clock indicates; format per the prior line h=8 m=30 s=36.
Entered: h=10 m=31 s=44
